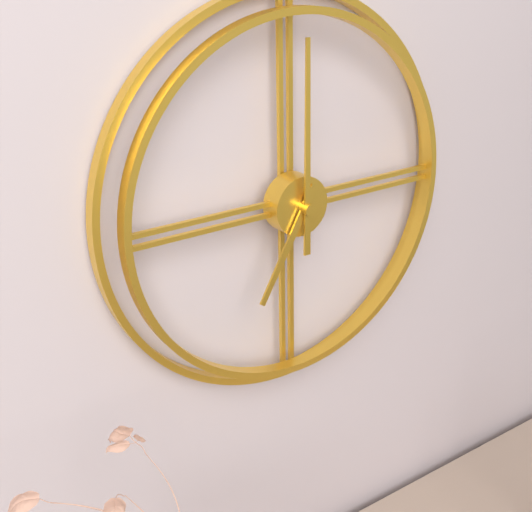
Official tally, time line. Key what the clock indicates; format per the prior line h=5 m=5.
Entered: h=7 m=0
